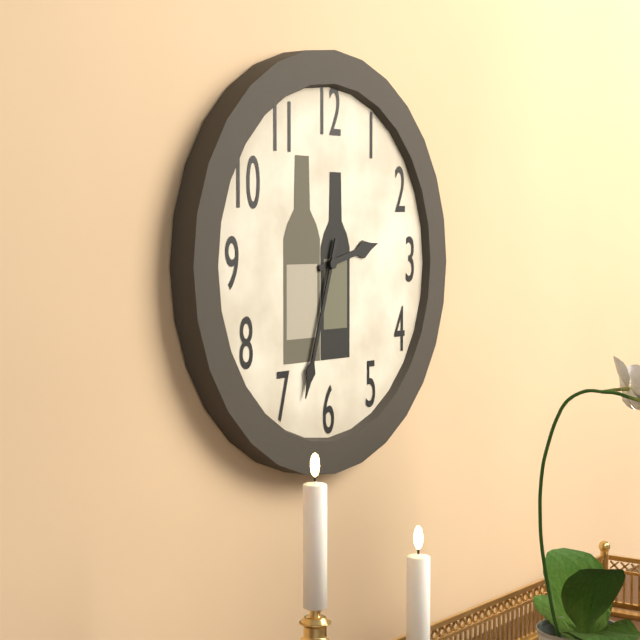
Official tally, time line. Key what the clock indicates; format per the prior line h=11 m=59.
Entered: h=2 m=33
